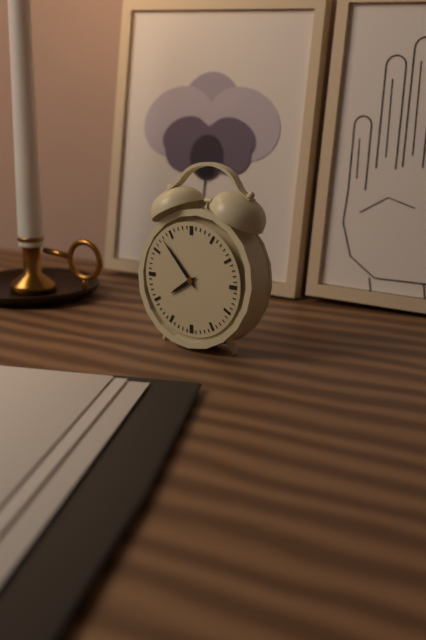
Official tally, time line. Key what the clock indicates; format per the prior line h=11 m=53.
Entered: h=7 m=53
